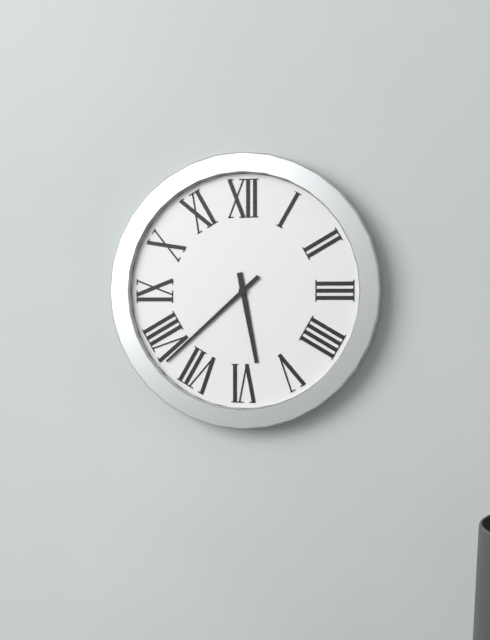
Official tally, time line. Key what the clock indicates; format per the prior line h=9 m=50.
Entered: h=5 m=38
